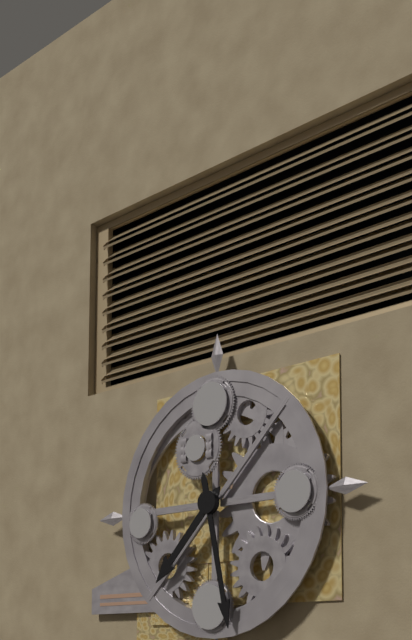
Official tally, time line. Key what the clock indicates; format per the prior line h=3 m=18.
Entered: h=7 m=28
